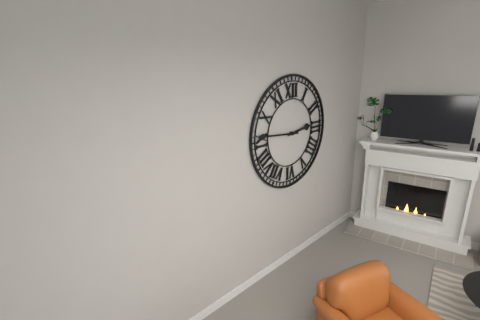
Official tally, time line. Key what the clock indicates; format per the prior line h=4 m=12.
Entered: h=2 m=46
